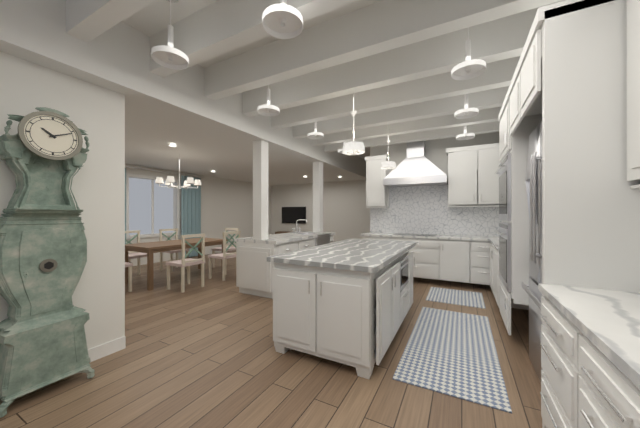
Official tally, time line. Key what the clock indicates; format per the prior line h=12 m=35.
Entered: h=10 m=11
